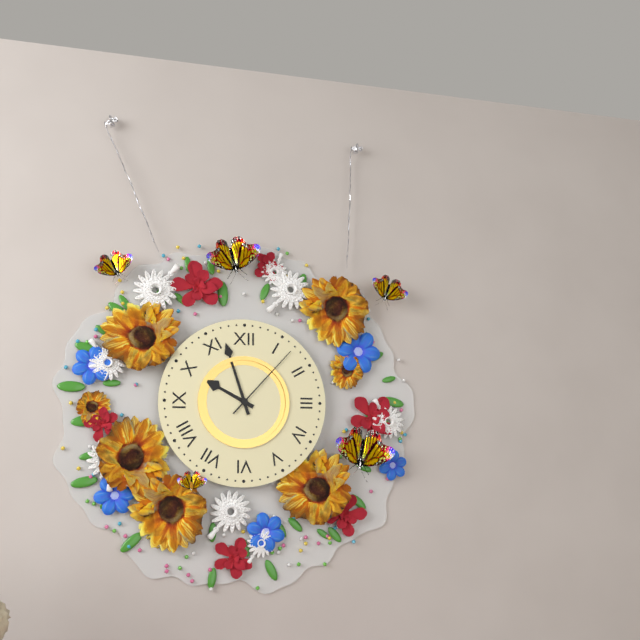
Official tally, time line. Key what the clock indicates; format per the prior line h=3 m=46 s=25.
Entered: h=9 m=57 s=7
